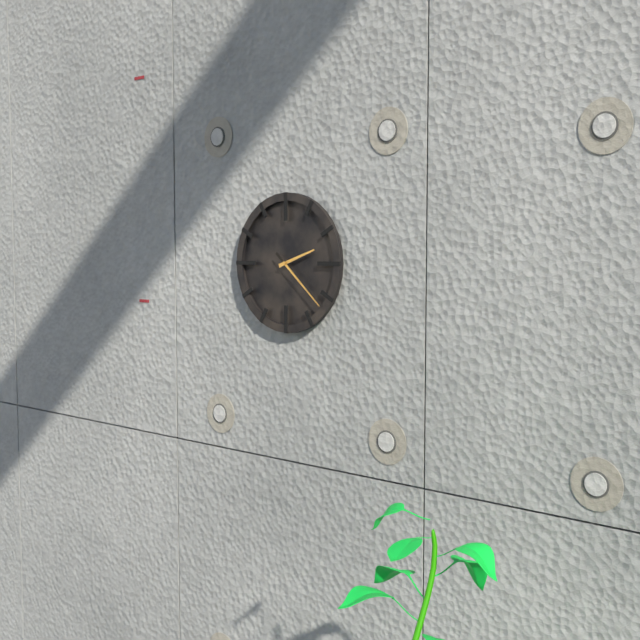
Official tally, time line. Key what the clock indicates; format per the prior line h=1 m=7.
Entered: h=2 m=22
